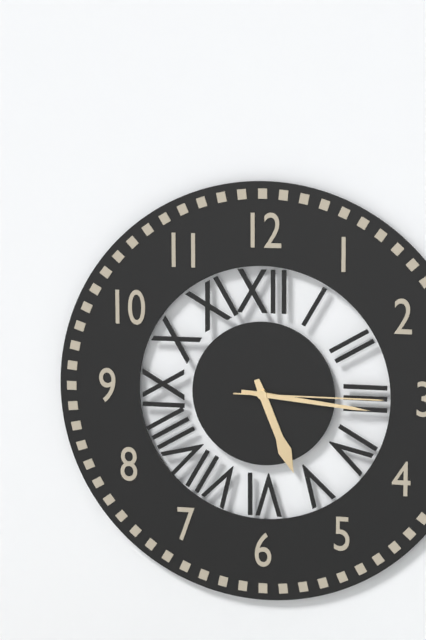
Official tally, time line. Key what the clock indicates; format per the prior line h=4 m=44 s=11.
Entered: h=5 m=16 s=15
